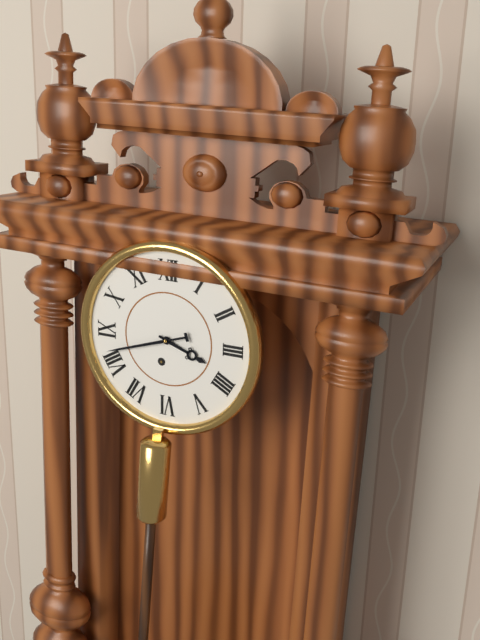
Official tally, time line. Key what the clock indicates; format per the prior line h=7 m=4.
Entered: h=3 m=42
